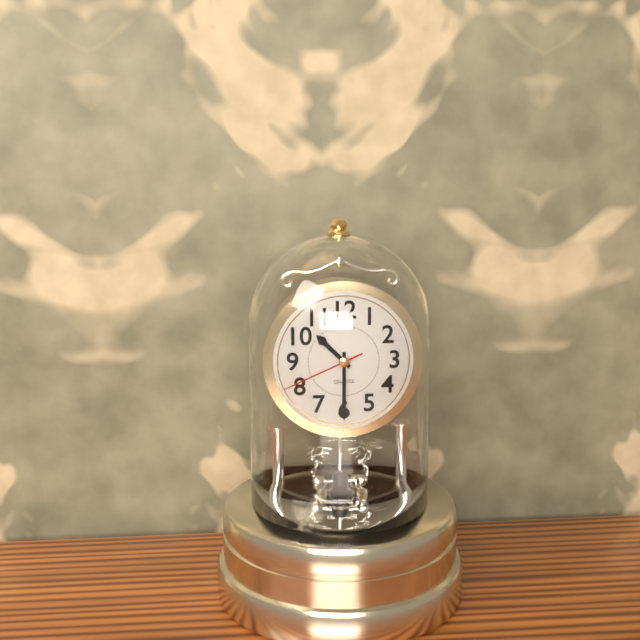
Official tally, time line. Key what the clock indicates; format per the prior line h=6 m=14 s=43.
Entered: h=10 m=30 s=41
